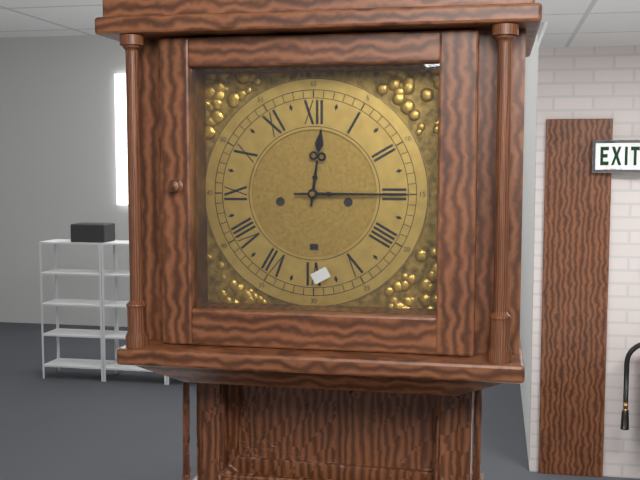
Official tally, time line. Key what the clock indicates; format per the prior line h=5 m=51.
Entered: h=12 m=15
